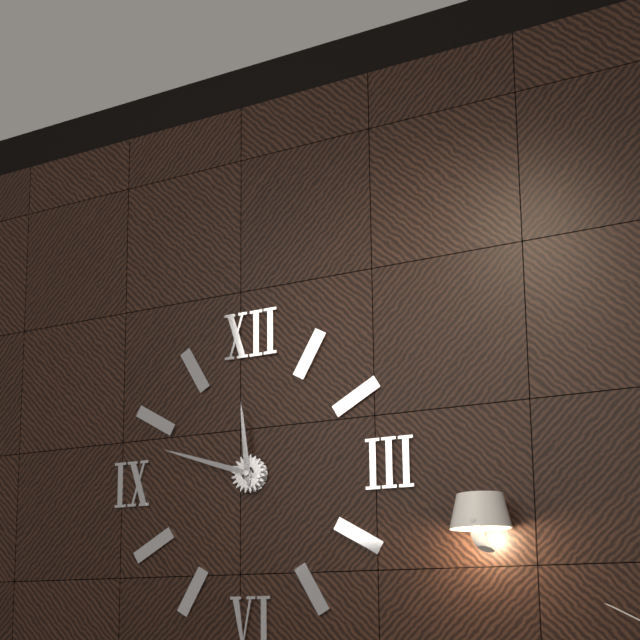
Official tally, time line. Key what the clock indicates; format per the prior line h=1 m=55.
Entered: h=11 m=48
